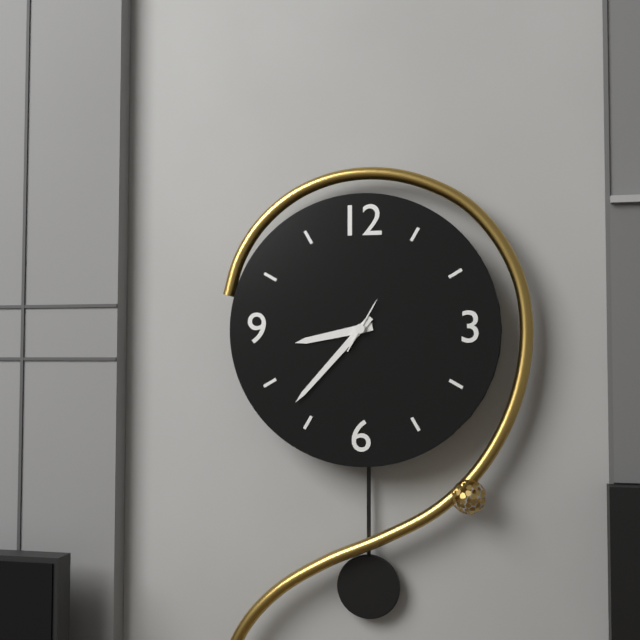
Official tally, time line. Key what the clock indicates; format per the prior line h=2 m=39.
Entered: h=8 m=37
